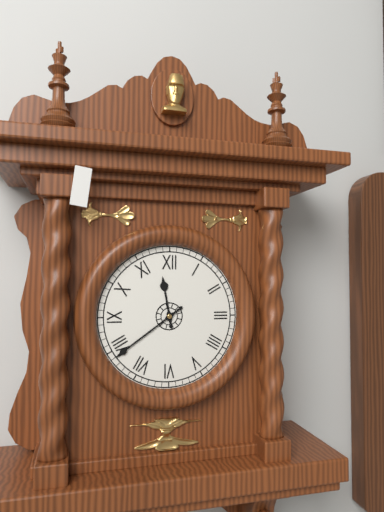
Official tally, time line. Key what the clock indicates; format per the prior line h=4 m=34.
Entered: h=11 m=39
